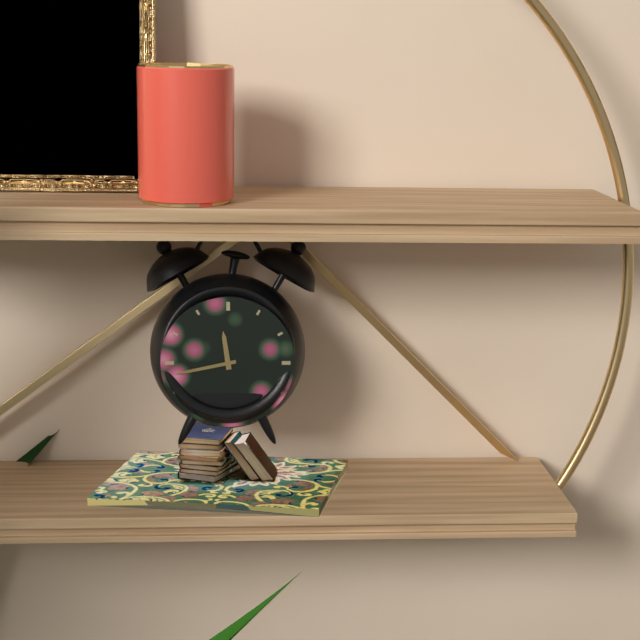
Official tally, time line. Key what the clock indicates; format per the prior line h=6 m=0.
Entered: h=11 m=43
